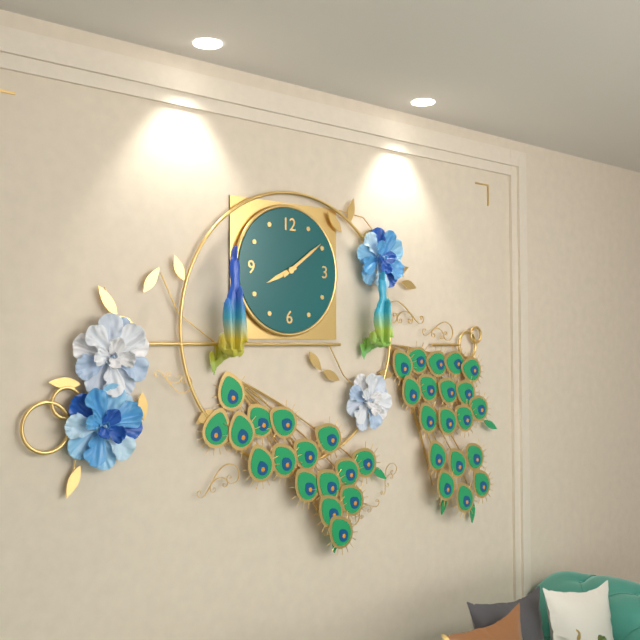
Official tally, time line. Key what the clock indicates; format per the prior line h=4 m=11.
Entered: h=8 m=9
